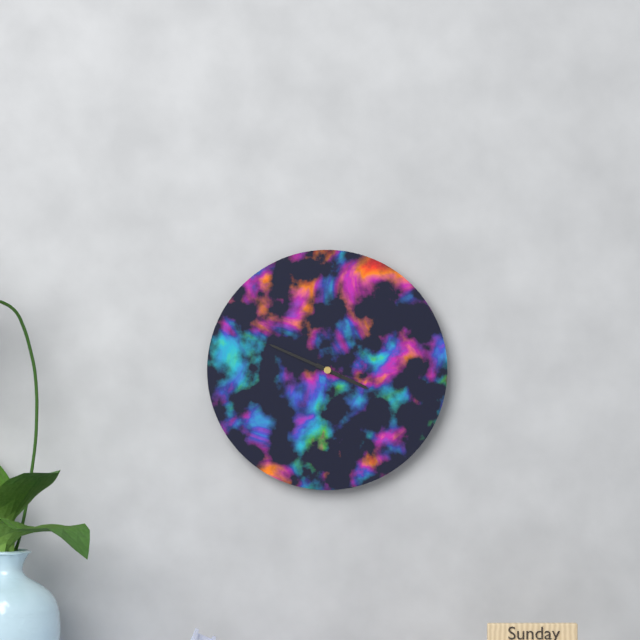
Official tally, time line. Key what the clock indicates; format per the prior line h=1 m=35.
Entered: h=3 m=49
